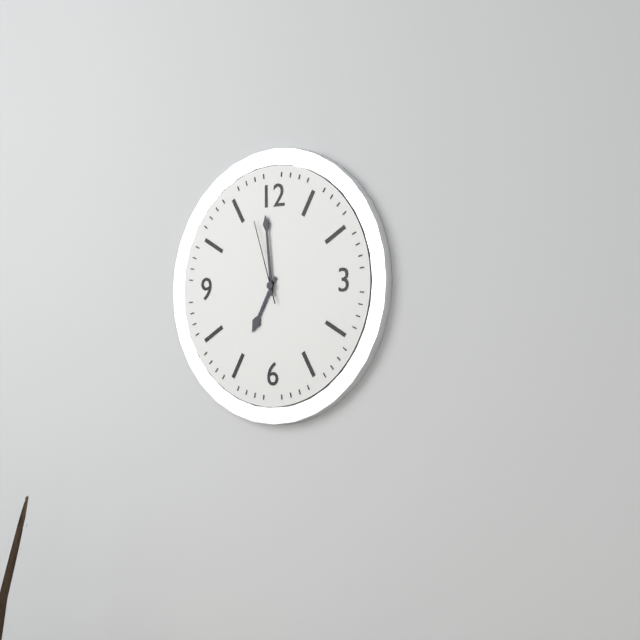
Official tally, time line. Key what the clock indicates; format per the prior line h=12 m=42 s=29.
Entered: h=6 m=59 s=57
